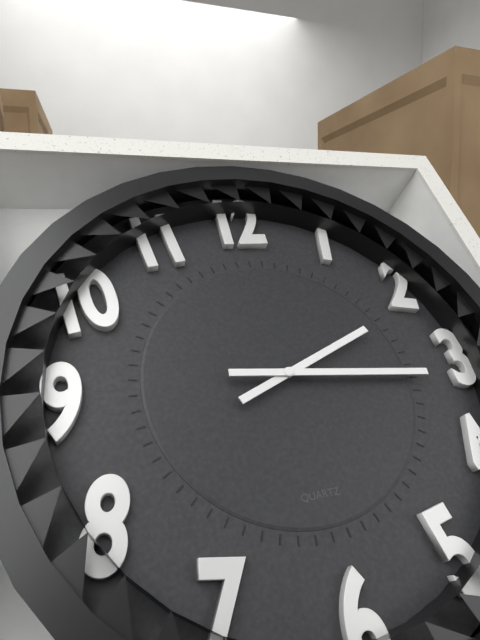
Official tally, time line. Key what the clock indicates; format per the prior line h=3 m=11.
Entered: h=2 m=16
